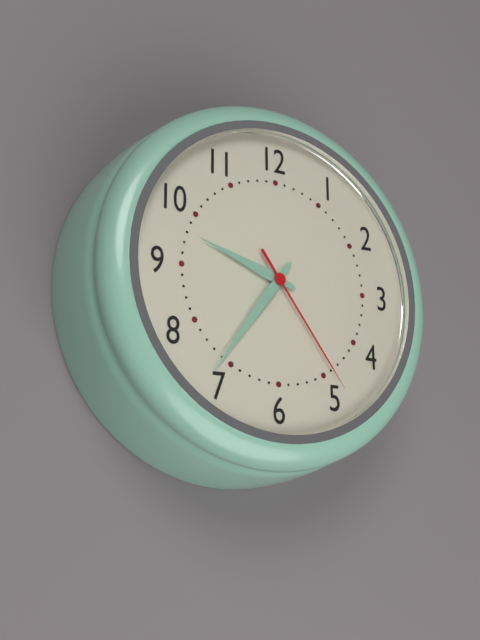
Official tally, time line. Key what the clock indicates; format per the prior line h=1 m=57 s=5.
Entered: h=9 m=36 s=24
